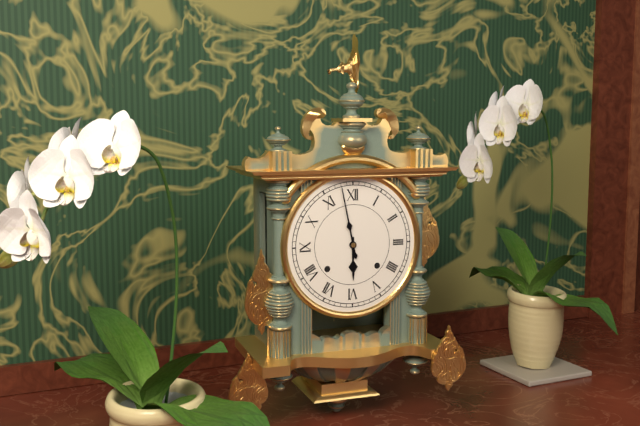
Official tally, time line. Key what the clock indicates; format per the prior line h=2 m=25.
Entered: h=5 m=58
